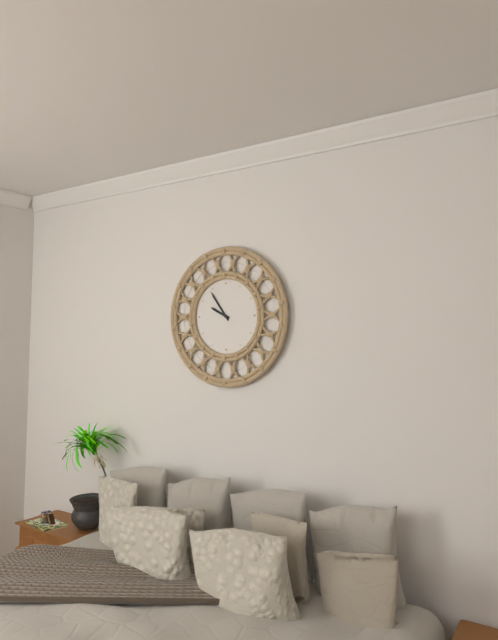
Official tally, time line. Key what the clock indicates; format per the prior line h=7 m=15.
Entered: h=9 m=54
